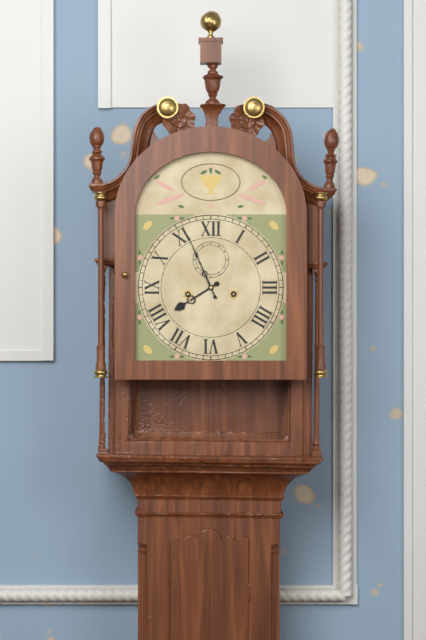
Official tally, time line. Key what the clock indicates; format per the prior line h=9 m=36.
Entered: h=7 m=56
